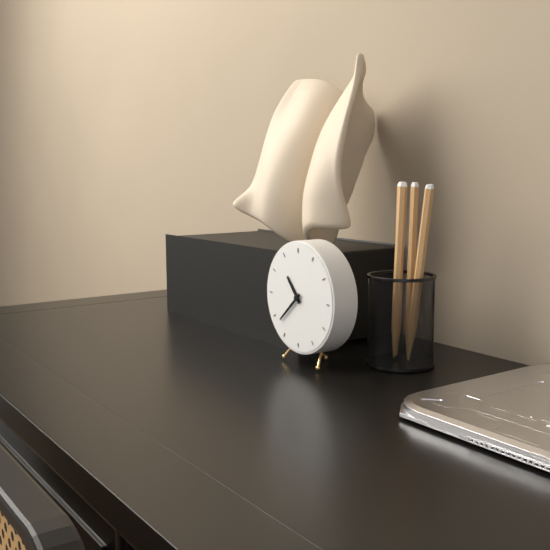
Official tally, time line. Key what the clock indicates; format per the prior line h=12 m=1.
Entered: h=10 m=38
